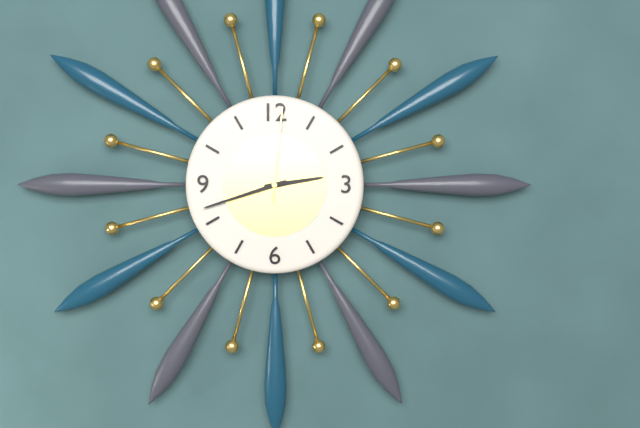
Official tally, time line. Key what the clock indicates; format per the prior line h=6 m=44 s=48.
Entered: h=2 m=42 s=1
